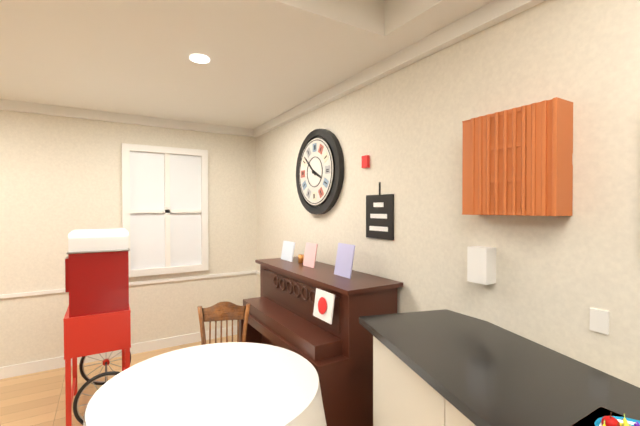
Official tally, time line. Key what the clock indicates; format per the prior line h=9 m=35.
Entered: h=3 m=52
